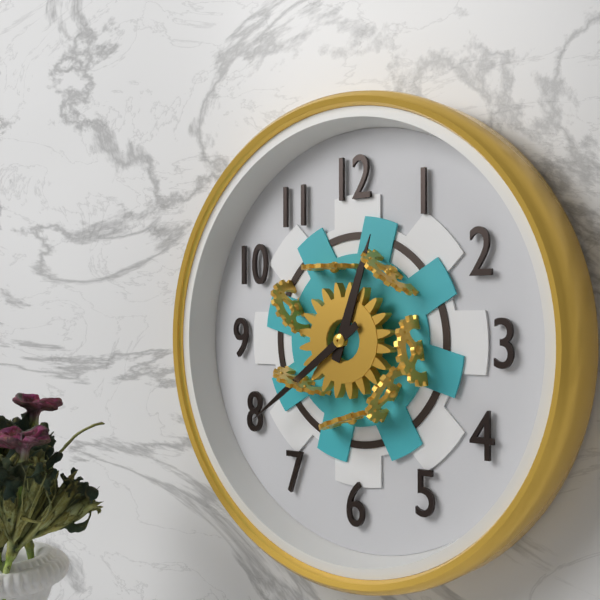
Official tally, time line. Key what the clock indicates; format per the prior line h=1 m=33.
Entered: h=12 m=39
